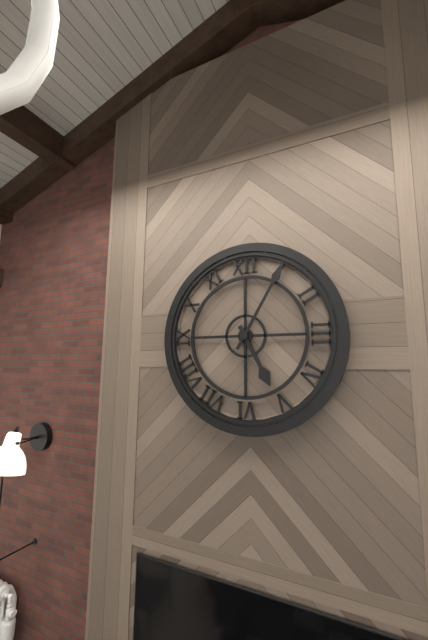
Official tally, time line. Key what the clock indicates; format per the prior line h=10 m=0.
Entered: h=5 m=5
